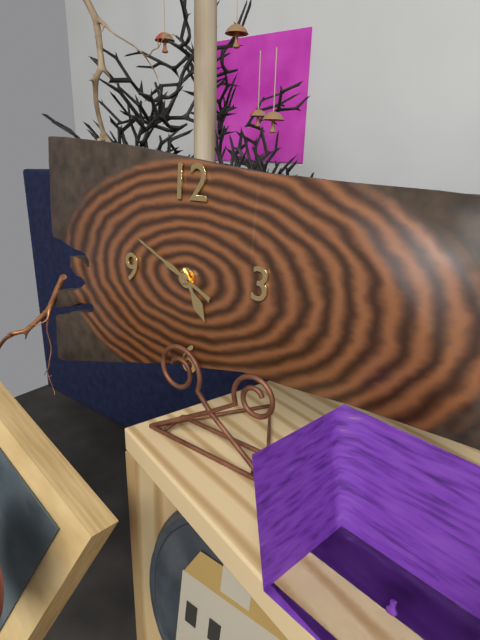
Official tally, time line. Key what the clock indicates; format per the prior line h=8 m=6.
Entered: h=4 m=49
